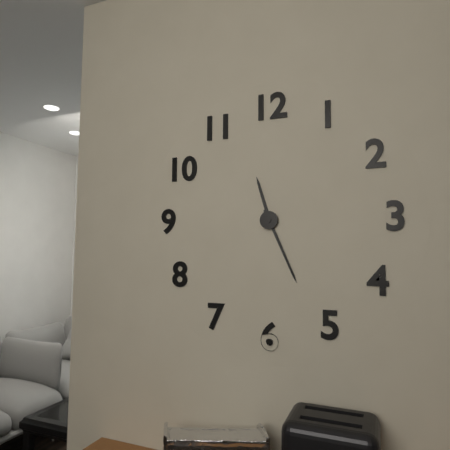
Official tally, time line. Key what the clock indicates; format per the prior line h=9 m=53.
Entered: h=11 m=26
